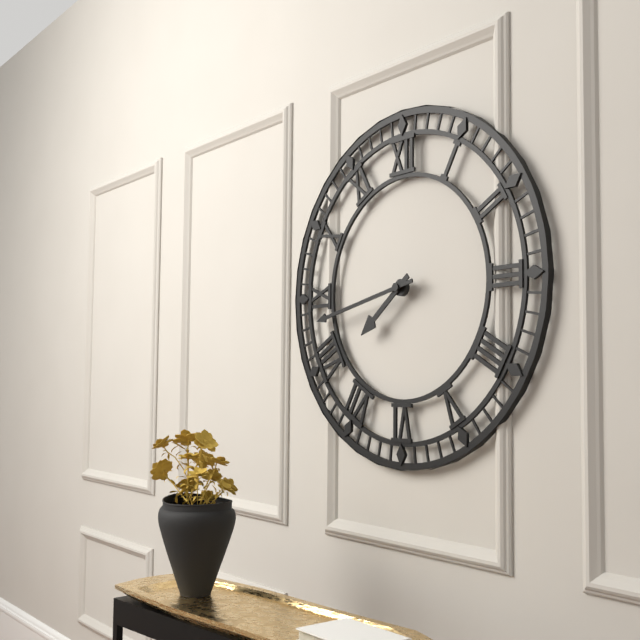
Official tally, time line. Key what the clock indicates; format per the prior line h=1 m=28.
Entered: h=7 m=43
